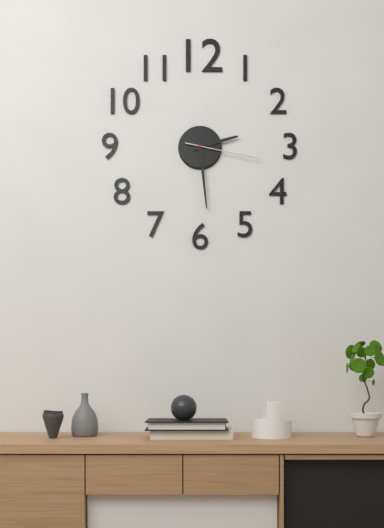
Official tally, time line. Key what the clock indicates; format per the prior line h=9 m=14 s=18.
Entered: h=2 m=29 s=17
